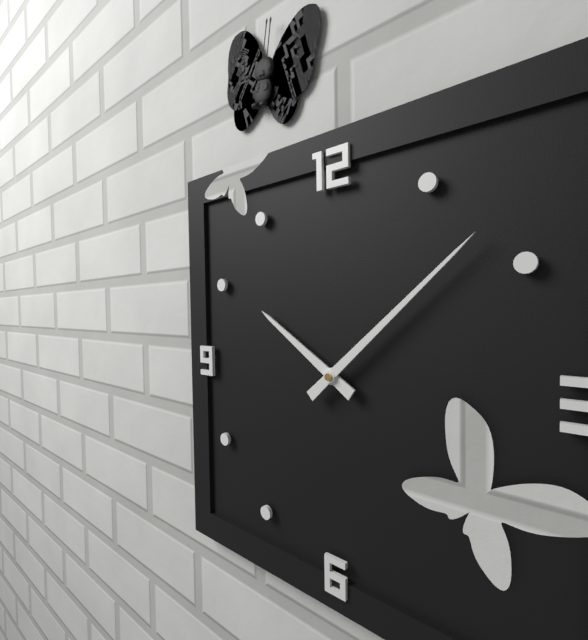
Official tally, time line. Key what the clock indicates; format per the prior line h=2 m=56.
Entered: h=10 m=8
